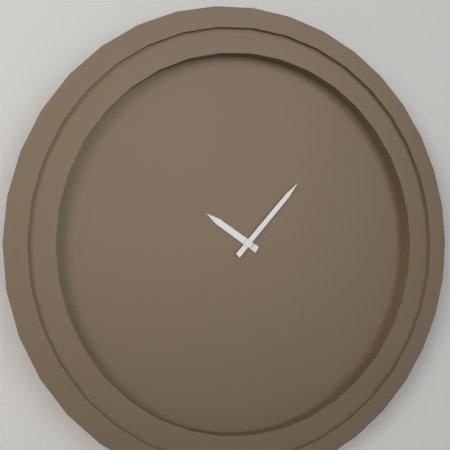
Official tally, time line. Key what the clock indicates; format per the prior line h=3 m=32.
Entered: h=10 m=7
